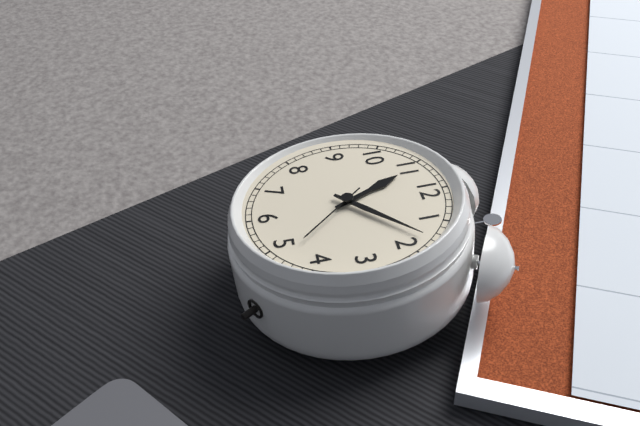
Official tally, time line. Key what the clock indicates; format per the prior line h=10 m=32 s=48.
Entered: h=11 m=8 s=23
